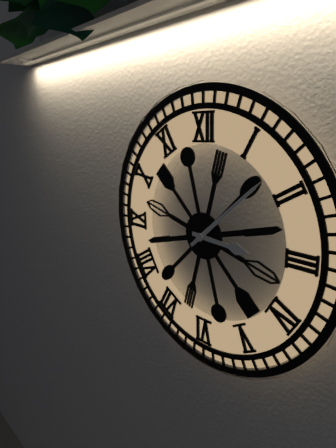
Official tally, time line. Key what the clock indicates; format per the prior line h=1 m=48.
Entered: h=3 m=8
